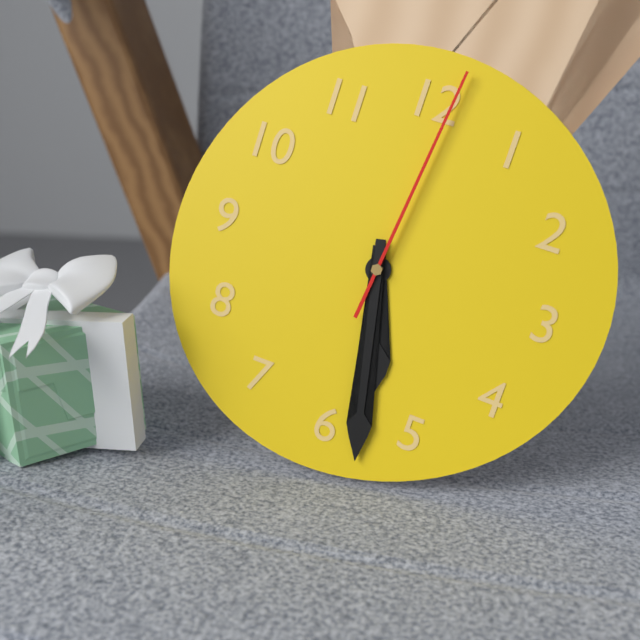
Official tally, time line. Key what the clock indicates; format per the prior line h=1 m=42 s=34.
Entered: h=5 m=28 s=1
